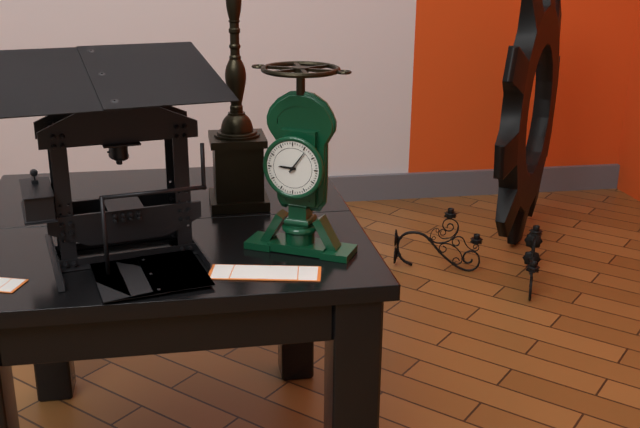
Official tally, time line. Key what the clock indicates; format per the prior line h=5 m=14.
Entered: h=9 m=6
